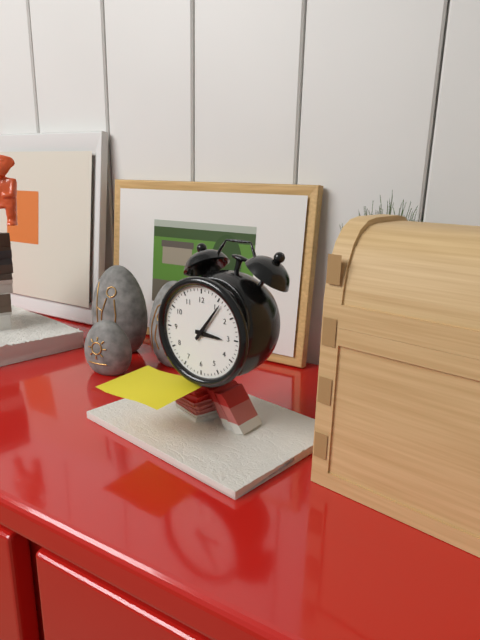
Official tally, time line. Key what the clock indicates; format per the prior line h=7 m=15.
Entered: h=3 m=6
